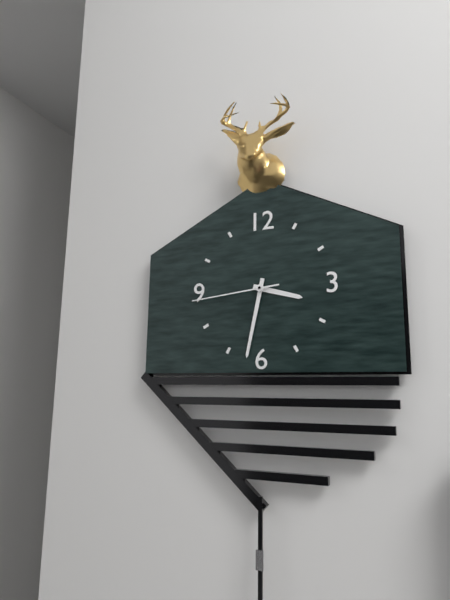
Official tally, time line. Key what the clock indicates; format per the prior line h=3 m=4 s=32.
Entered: h=3 m=32 s=44
